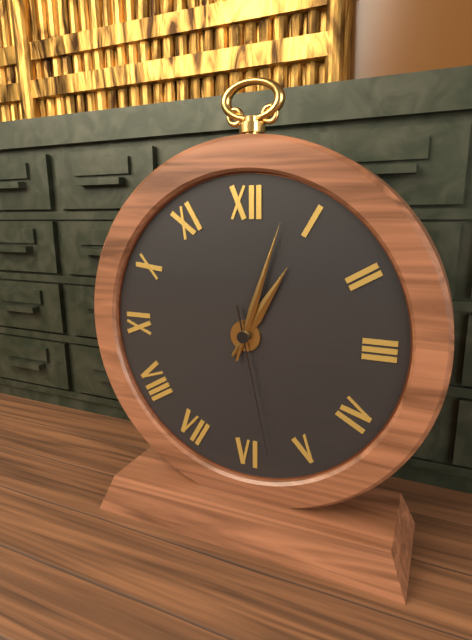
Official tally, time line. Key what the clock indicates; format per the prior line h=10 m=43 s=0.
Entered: h=1 m=3 s=28
